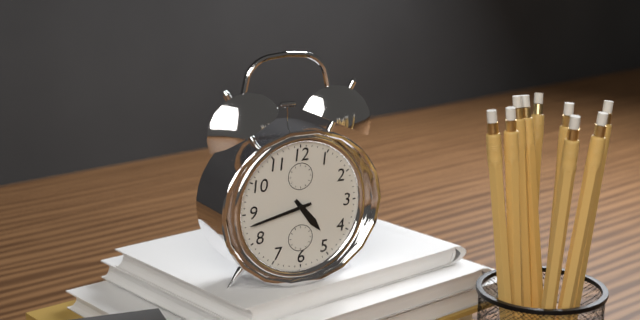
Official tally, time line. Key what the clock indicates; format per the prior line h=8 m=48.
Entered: h=4 m=43
